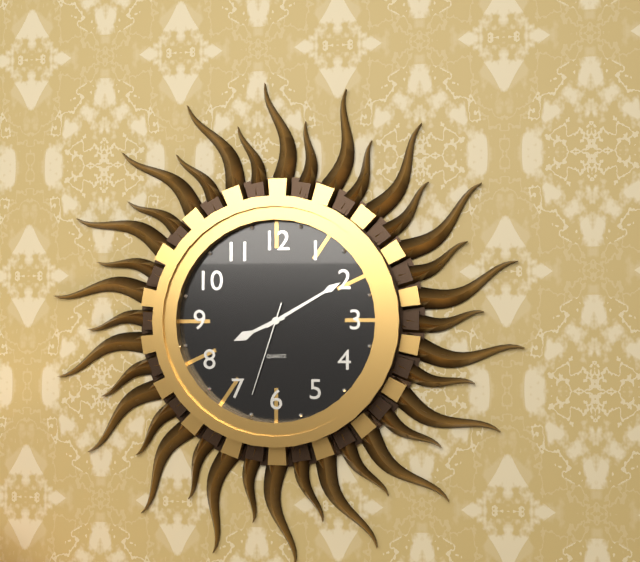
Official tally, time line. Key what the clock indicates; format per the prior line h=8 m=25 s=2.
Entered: h=8 m=10 s=33
